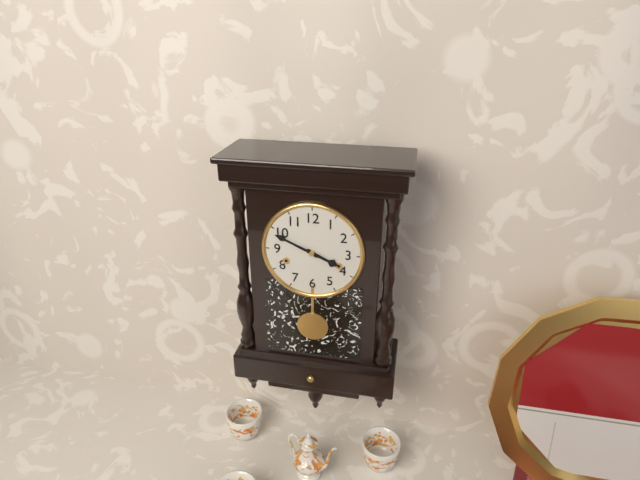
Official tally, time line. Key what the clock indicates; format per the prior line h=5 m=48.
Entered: h=3 m=49
